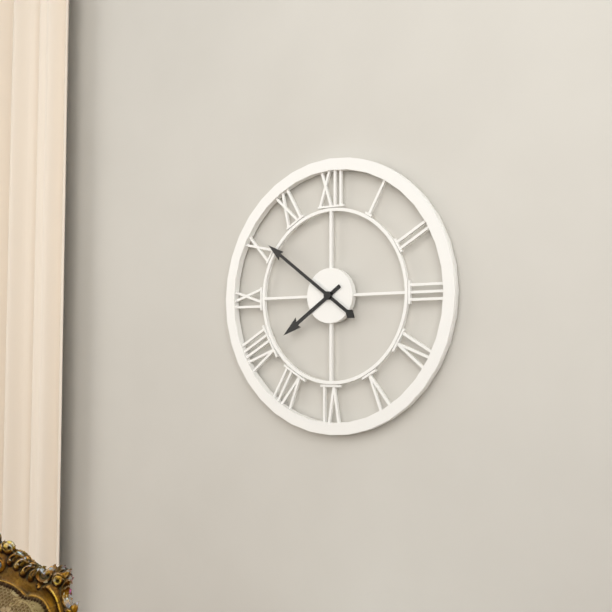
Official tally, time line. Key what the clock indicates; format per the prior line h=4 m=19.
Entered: h=7 m=51
